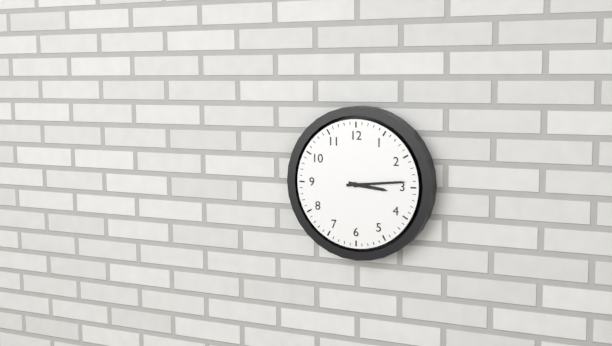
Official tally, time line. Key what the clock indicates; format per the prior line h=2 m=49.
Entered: h=3 m=14
